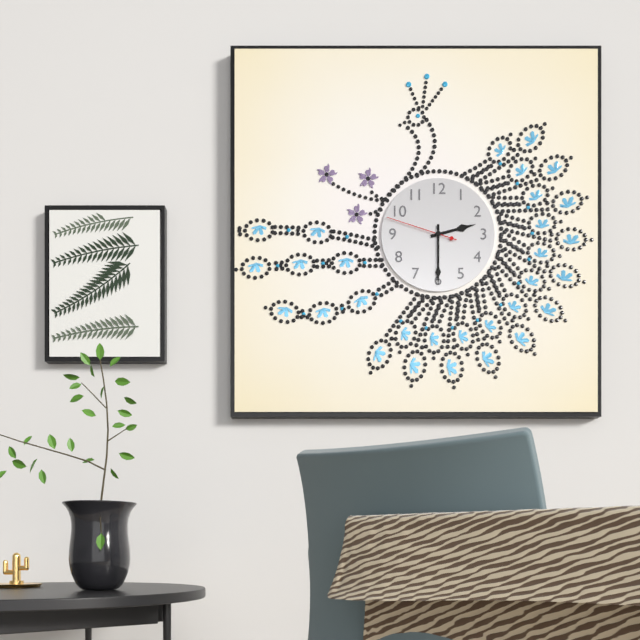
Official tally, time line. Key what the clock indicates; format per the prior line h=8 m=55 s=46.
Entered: h=2 m=30 s=48
